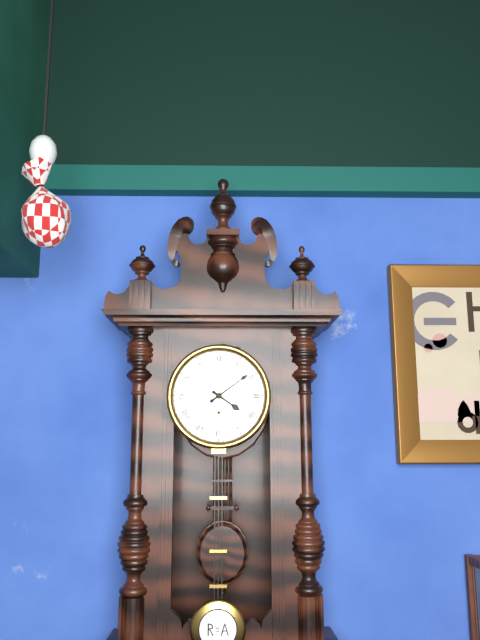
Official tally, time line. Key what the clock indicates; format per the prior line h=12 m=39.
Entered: h=4 m=9
